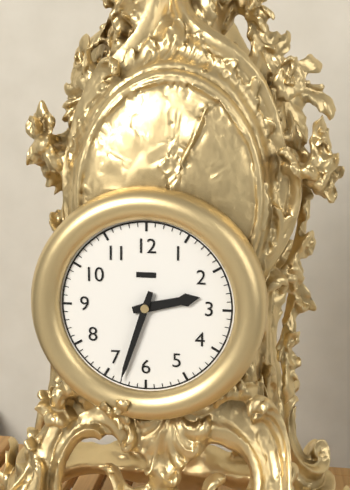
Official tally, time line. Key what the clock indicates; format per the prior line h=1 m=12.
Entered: h=2 m=33
